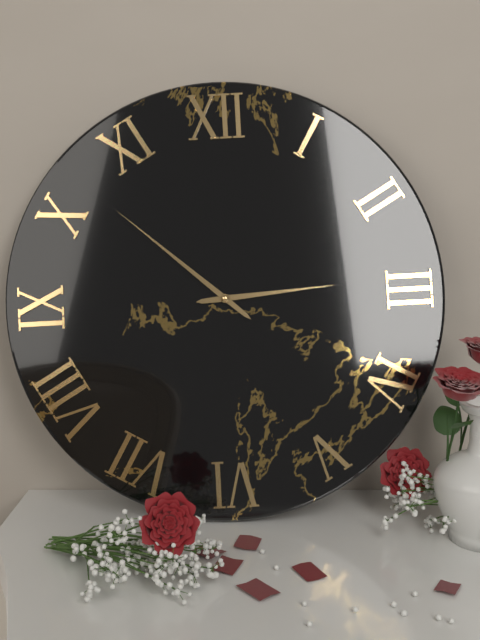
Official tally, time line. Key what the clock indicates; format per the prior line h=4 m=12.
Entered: h=2 m=52
